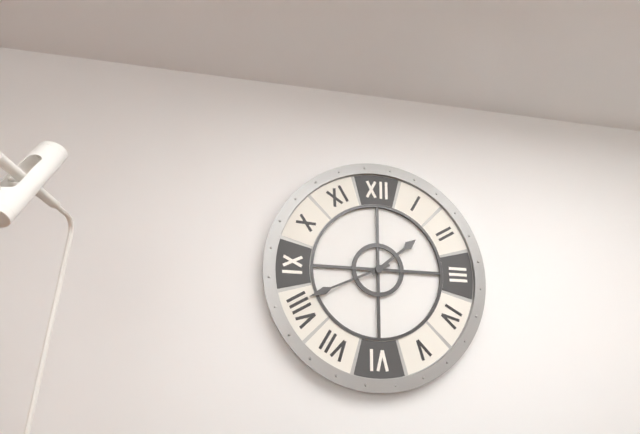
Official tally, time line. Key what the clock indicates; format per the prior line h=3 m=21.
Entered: h=1 m=41
